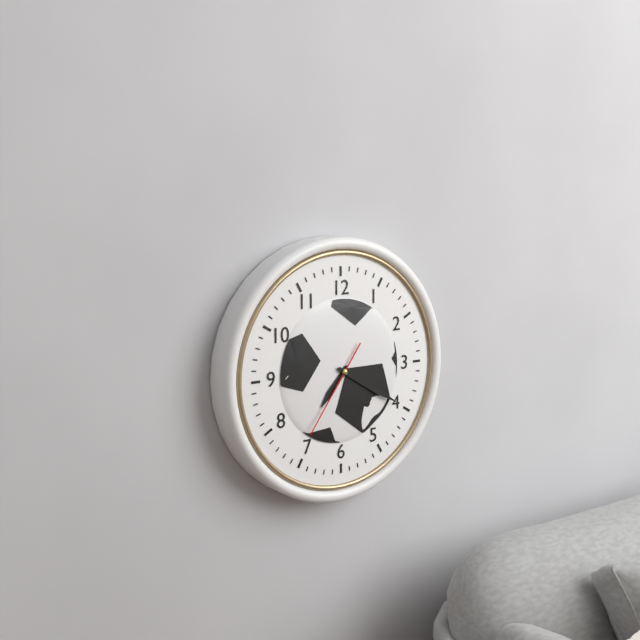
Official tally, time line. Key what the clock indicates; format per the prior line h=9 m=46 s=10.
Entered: h=7 m=20 s=36
